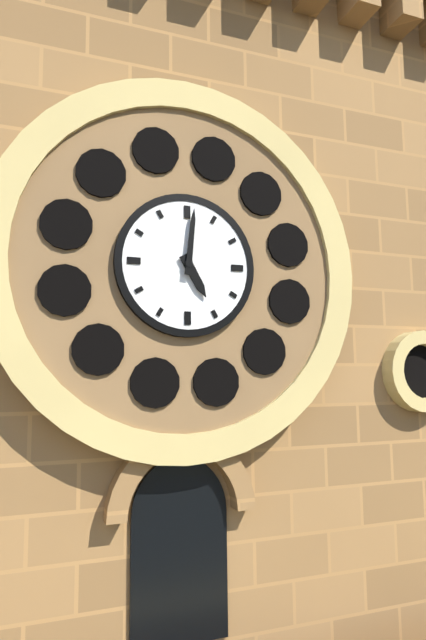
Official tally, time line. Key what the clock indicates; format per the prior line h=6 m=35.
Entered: h=5 m=1
